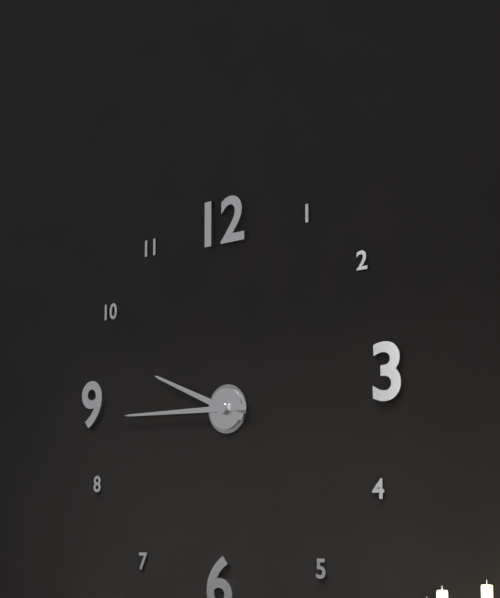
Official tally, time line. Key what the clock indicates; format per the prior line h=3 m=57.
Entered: h=9 m=45
